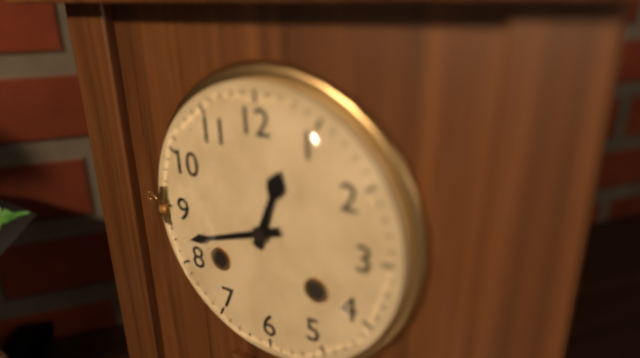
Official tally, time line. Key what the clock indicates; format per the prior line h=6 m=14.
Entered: h=12 m=42
